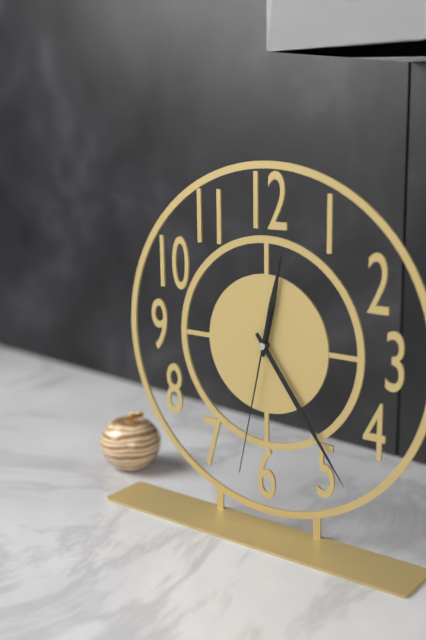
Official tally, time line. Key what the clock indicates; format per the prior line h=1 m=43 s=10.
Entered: h=12 m=24 s=32
